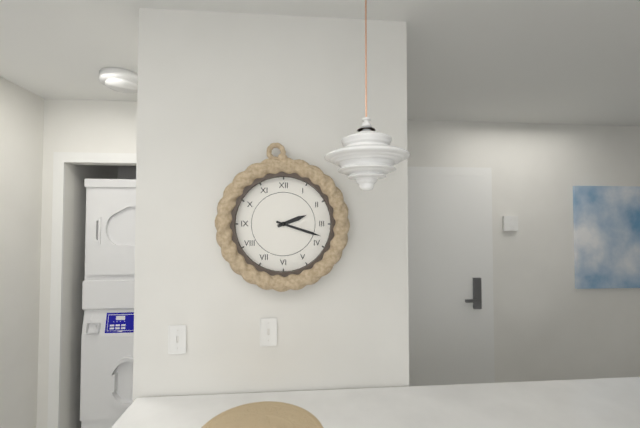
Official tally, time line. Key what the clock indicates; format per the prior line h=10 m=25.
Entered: h=2 m=18
